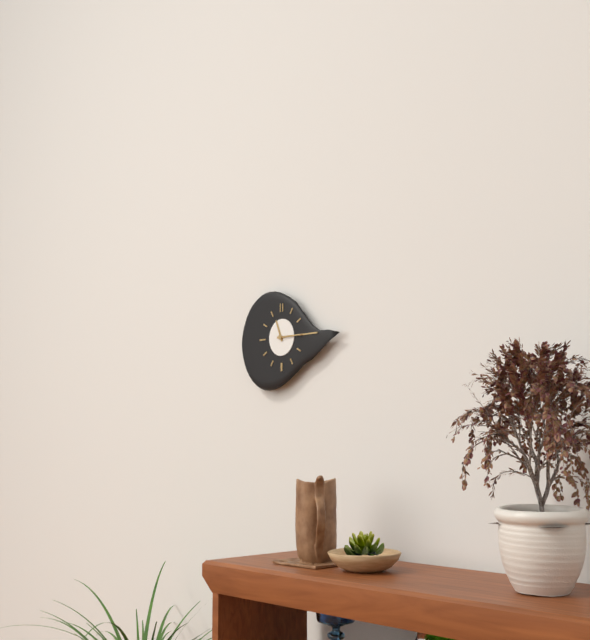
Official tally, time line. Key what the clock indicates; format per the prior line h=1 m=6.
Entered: h=11 m=15
